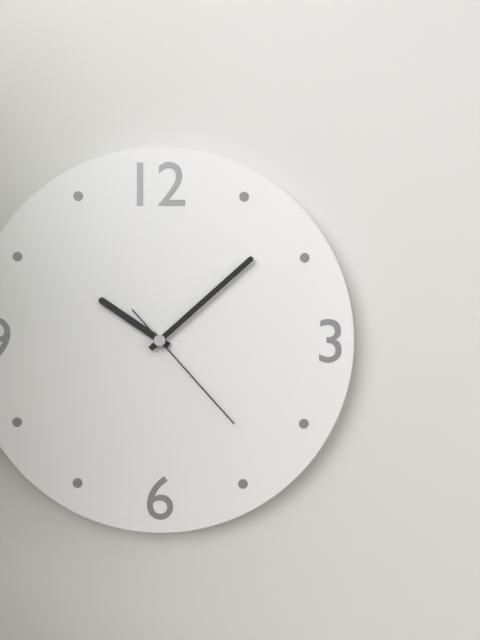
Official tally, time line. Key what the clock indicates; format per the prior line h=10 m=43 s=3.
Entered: h=10 m=8 s=23
